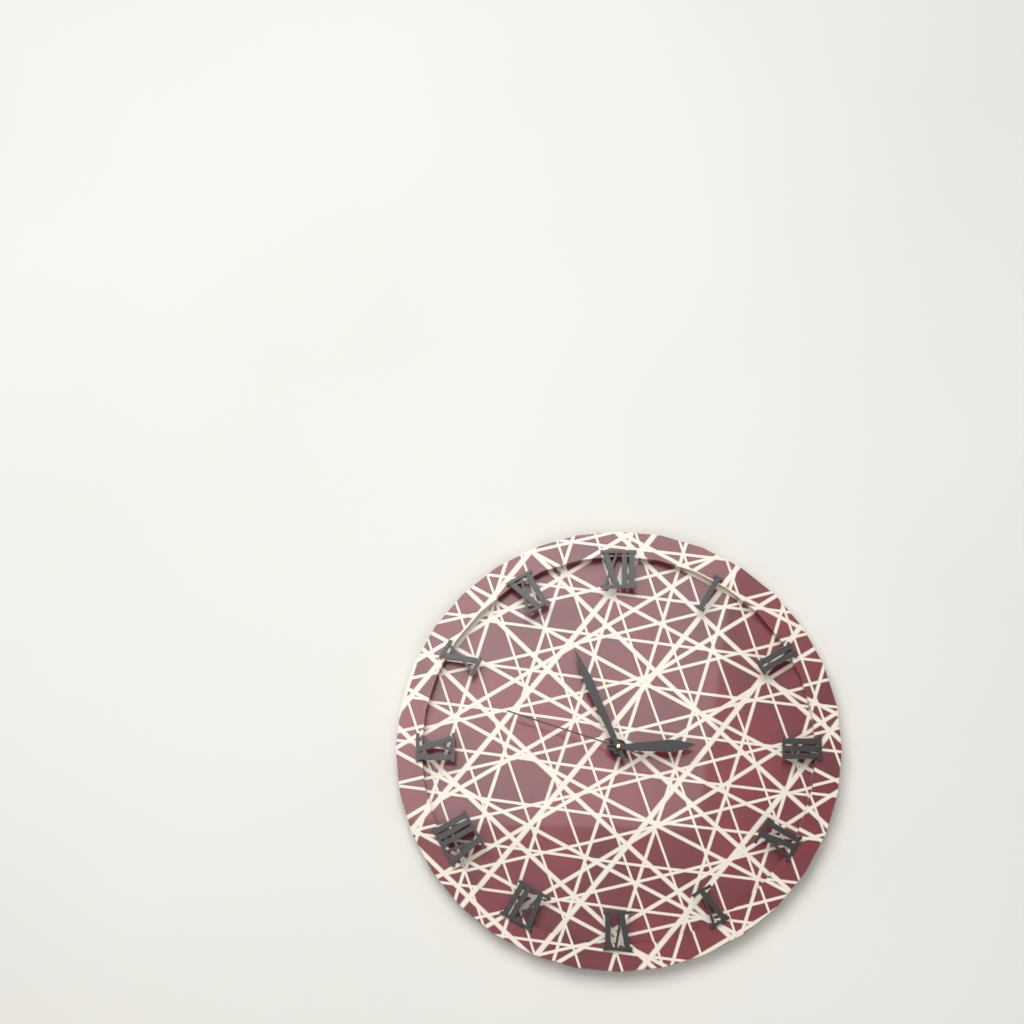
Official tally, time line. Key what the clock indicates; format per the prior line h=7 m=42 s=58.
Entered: h=2 m=56 s=48
